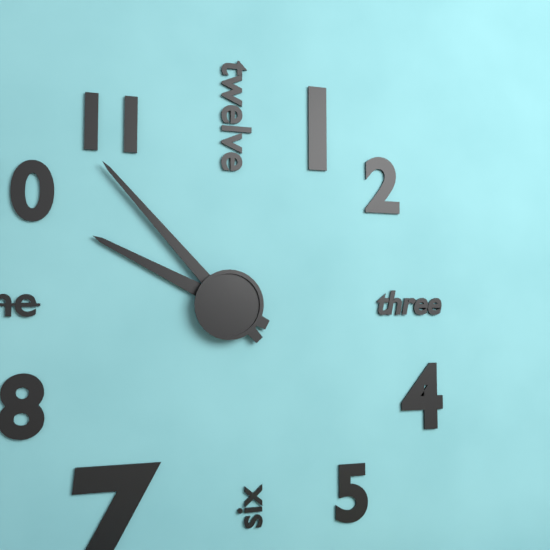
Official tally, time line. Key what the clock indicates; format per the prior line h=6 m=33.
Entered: h=9 m=53
